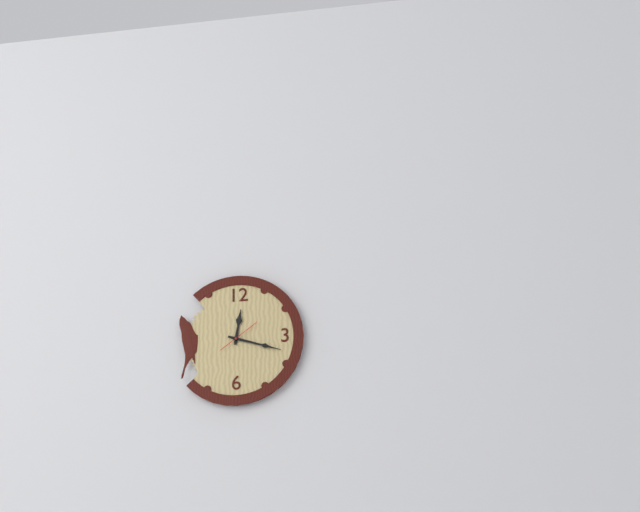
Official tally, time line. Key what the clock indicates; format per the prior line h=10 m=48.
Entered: h=12 m=18
